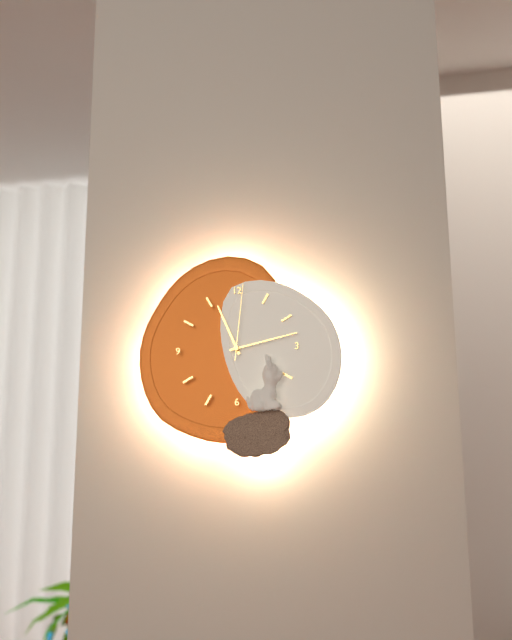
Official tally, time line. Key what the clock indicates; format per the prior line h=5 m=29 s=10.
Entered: h=11 m=13 s=1
